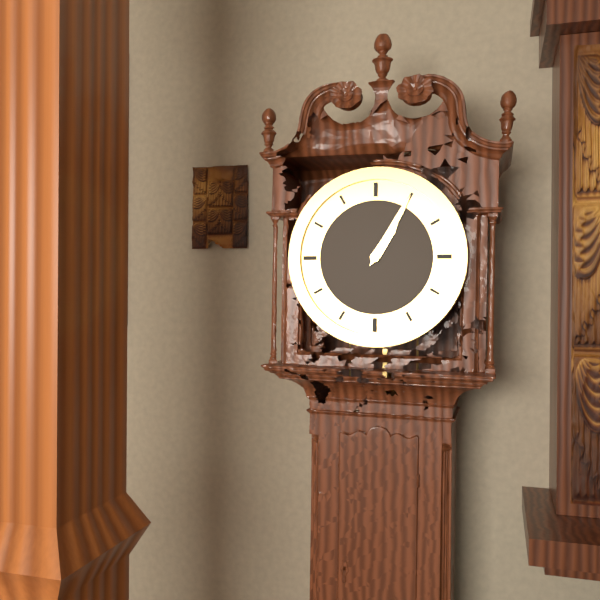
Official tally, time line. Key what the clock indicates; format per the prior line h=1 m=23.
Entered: h=1 m=5
